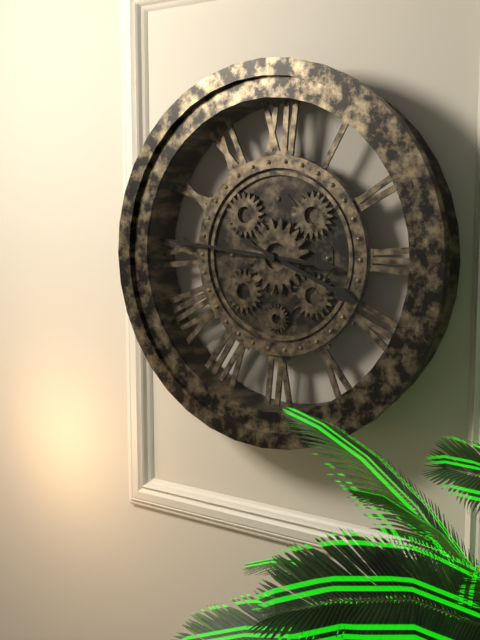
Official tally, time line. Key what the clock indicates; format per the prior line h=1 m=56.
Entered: h=3 m=46
